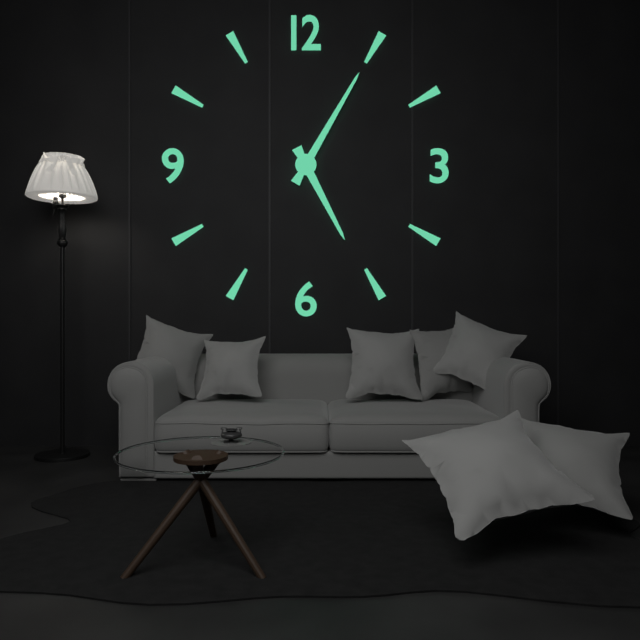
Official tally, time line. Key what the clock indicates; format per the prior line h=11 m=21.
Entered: h=5 m=5
